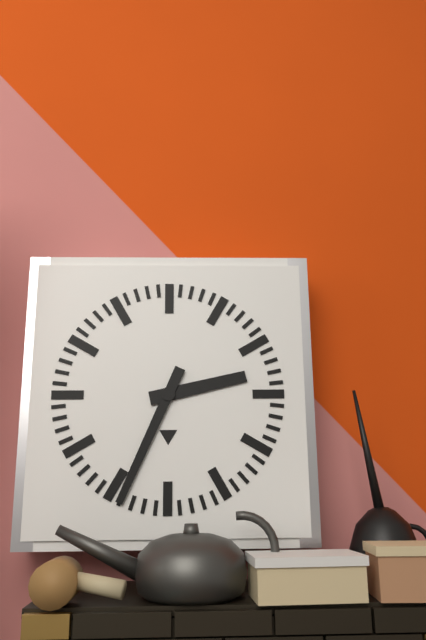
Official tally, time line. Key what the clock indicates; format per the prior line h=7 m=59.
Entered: h=2 m=34
